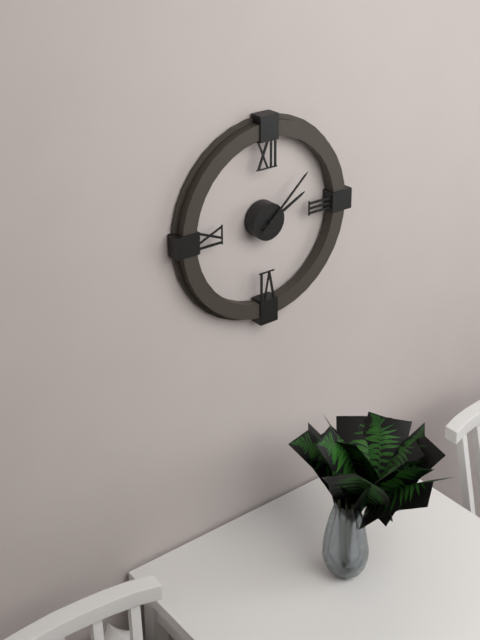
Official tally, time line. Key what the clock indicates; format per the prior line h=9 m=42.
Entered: h=2 m=8
